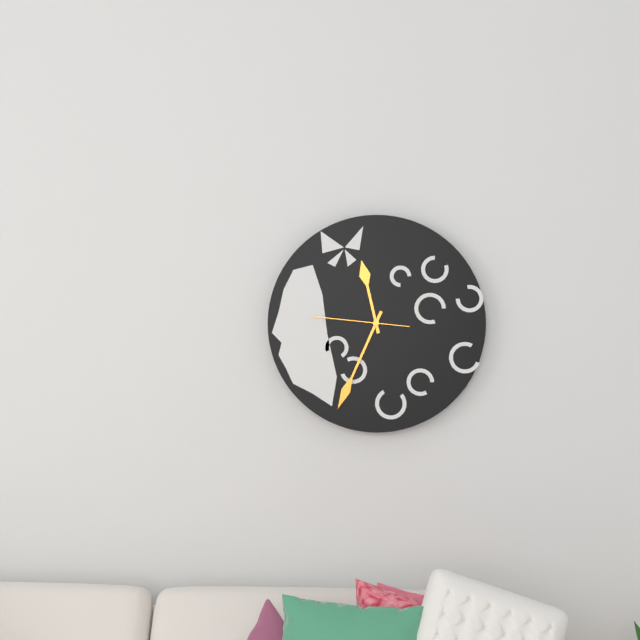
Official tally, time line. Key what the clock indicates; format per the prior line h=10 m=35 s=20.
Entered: h=11 m=34 s=46
